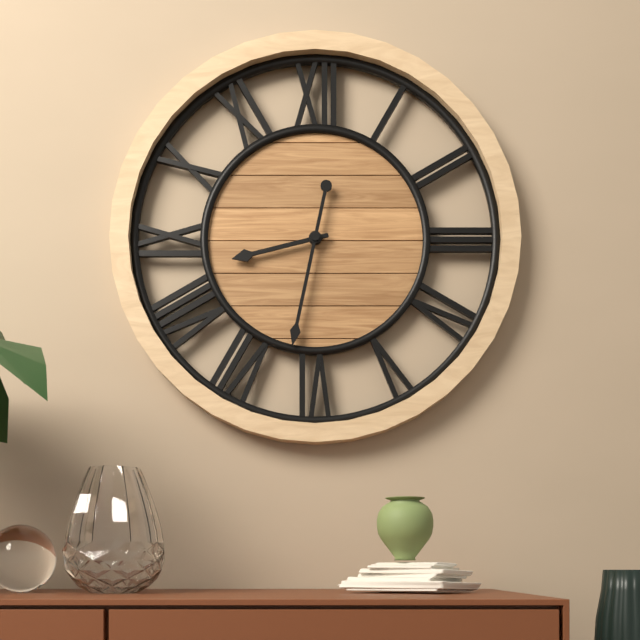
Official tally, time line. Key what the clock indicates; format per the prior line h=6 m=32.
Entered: h=8 m=32
